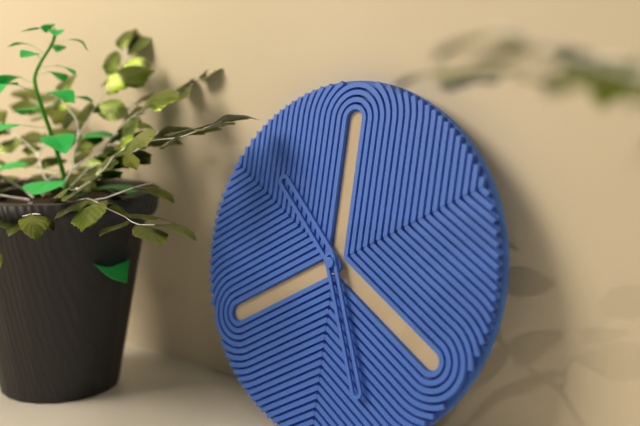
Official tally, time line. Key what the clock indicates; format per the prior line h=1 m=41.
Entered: h=10 m=26
